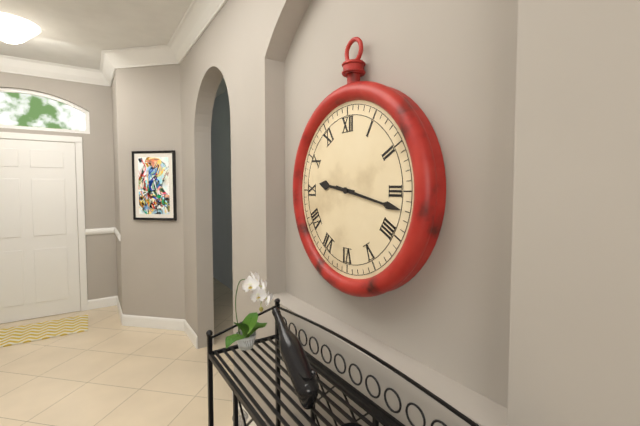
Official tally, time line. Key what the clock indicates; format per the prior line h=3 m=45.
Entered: h=9 m=17
